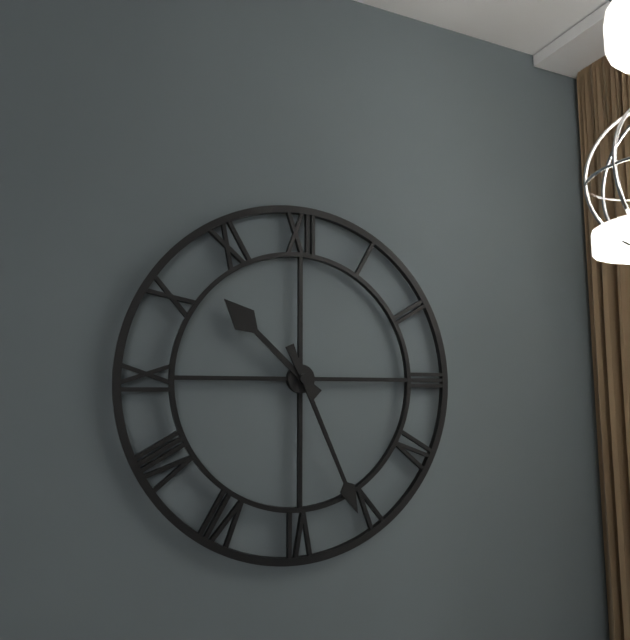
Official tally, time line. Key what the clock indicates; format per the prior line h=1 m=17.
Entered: h=10 m=26
